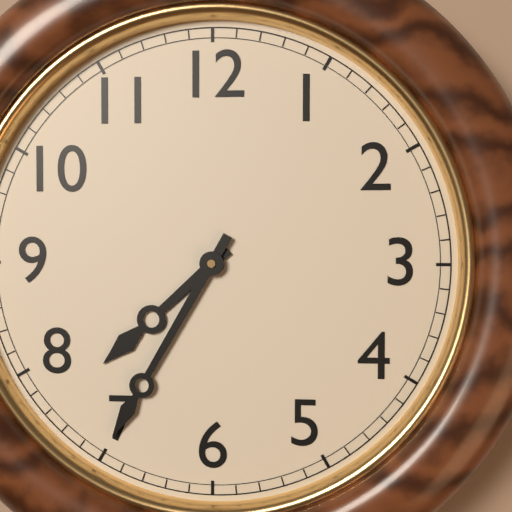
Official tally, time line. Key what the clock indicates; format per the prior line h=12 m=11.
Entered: h=7 m=35
